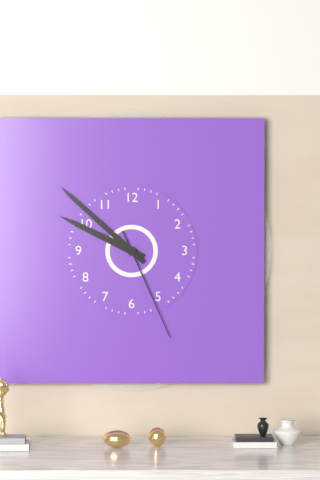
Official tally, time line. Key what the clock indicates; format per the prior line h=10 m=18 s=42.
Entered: h=9 m=52 s=26
